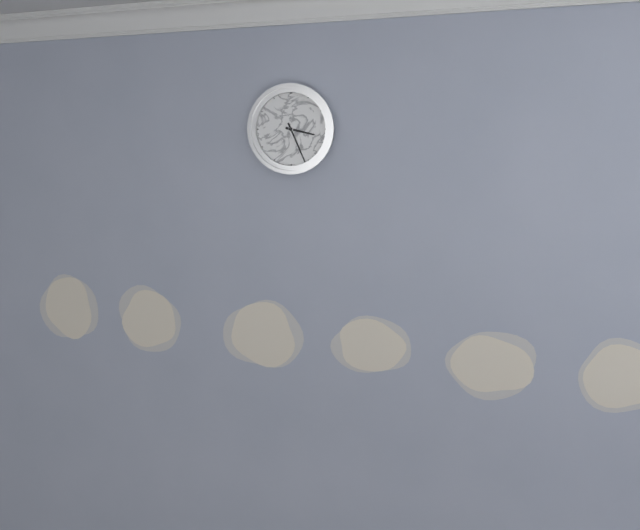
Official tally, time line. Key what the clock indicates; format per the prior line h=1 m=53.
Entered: h=3 m=26
